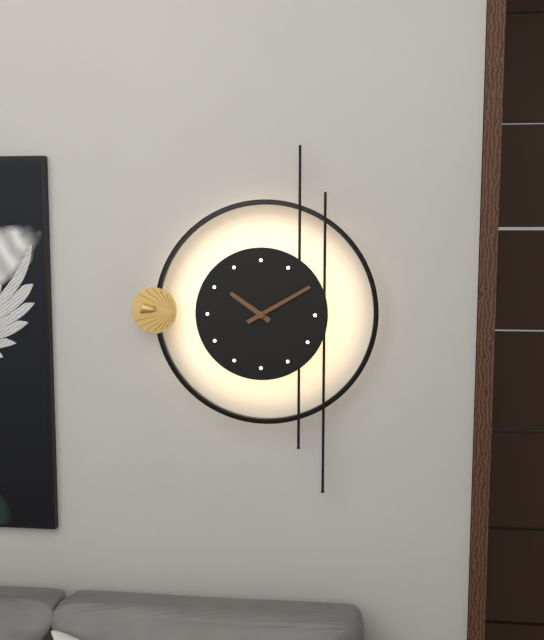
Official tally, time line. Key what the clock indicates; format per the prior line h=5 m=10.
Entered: h=10 m=10
